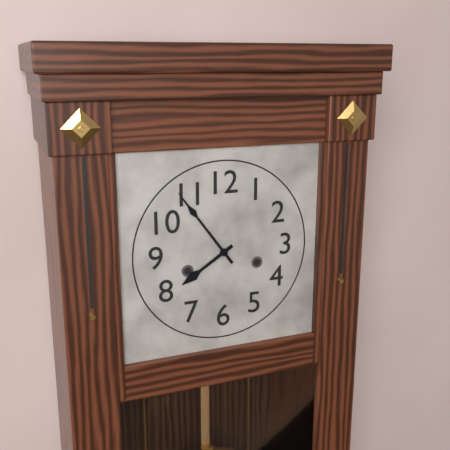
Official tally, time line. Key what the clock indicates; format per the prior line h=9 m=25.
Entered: h=7 m=54
